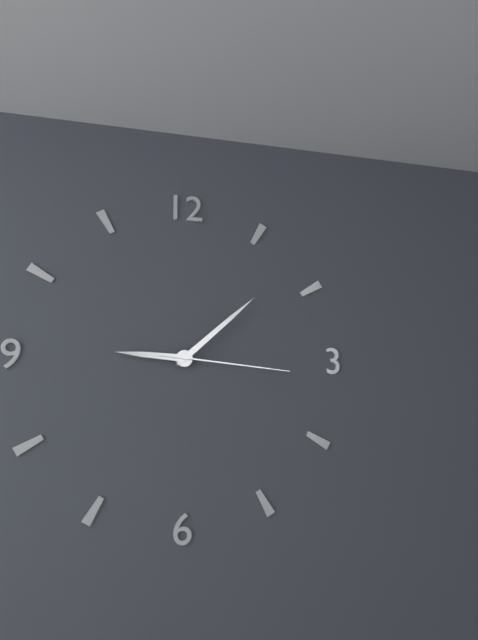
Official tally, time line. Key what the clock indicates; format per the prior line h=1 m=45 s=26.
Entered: h=9 m=8 s=16
